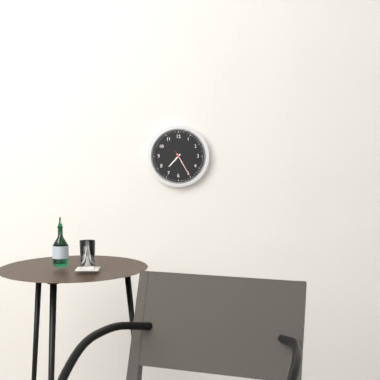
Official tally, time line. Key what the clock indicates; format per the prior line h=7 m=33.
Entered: h=7 m=25
